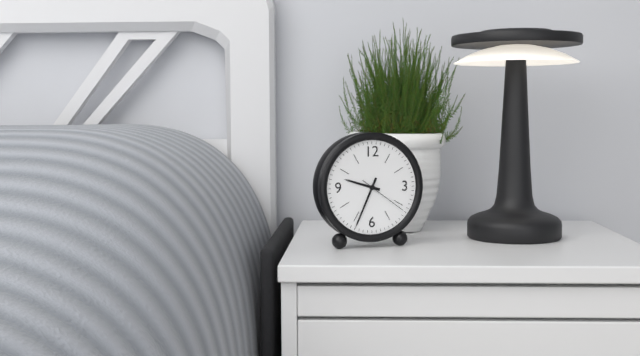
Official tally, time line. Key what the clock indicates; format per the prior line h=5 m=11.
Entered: h=9 m=34
